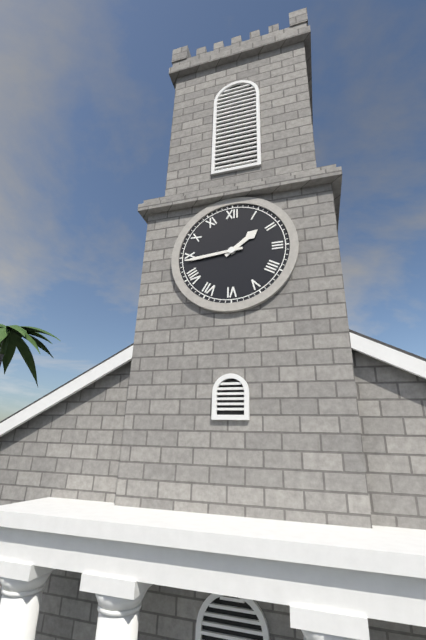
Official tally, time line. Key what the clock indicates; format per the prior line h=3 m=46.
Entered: h=1 m=44
